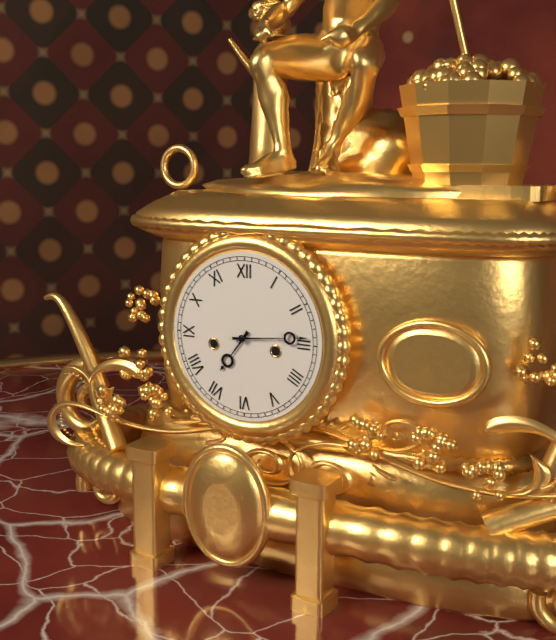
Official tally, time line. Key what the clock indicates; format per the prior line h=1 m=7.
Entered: h=7 m=14
